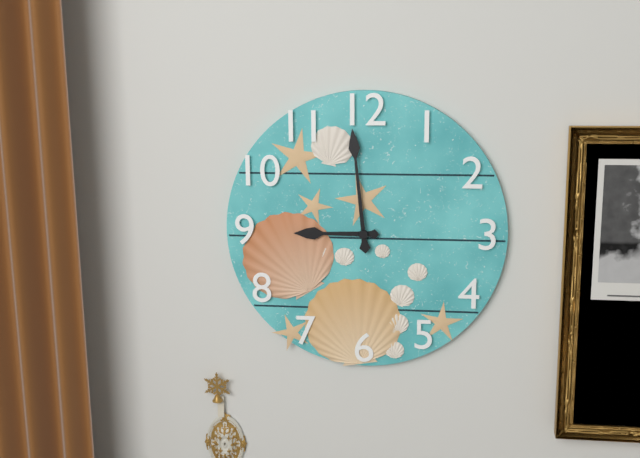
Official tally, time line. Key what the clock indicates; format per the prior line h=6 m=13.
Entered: h=8 m=59
